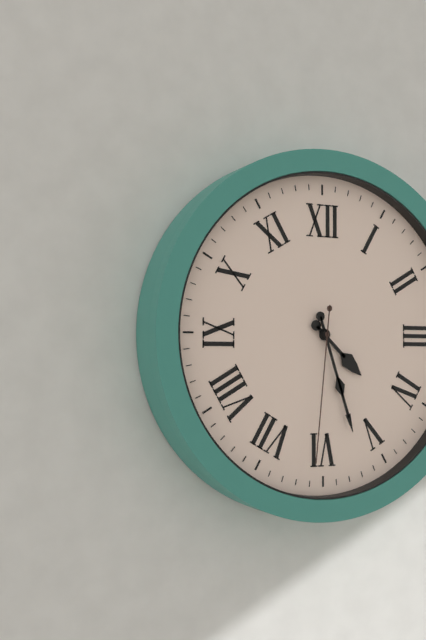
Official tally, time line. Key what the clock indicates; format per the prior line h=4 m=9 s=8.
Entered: h=4 m=27 s=31
